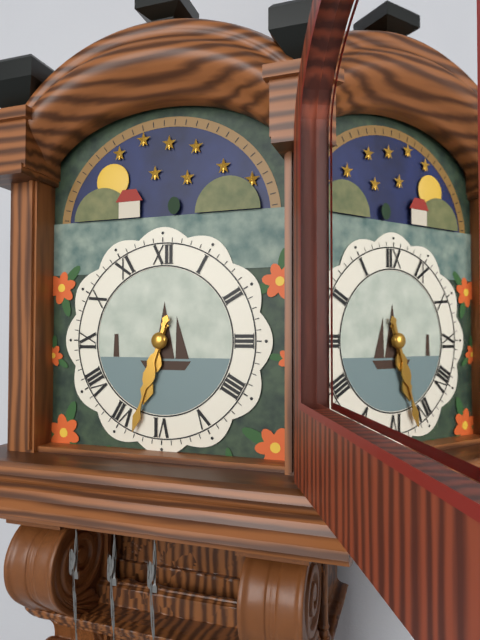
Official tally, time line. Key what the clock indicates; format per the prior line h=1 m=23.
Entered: h=6 m=33
